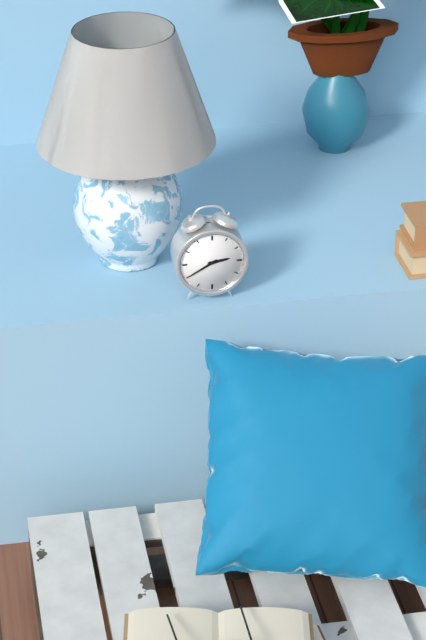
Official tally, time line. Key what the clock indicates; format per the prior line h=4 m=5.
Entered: h=2 m=40
